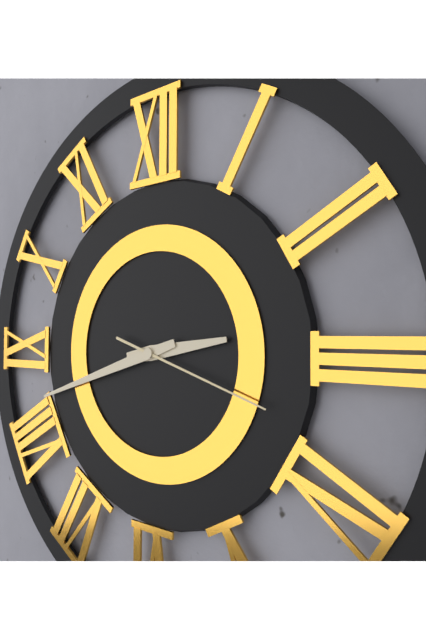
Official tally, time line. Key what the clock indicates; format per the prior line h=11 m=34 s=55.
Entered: h=2 m=42 s=18
